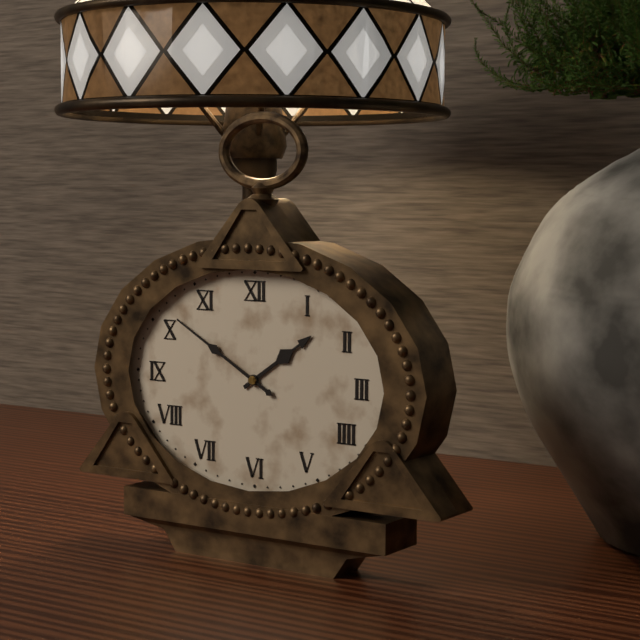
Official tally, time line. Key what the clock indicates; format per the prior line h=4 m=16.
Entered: h=1 m=50
